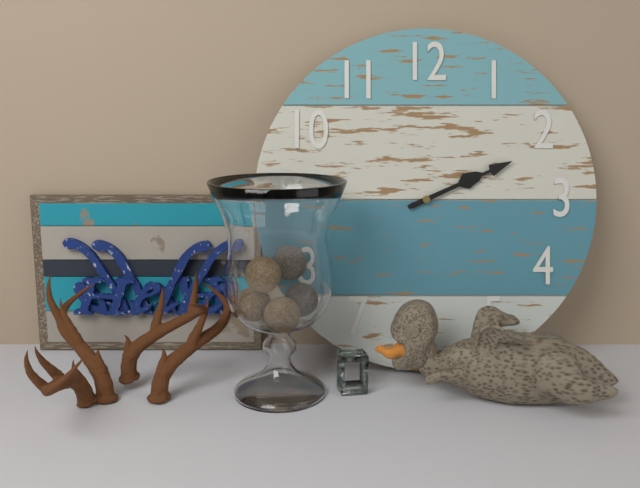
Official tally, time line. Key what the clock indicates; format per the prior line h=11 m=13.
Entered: h=2 m=11
